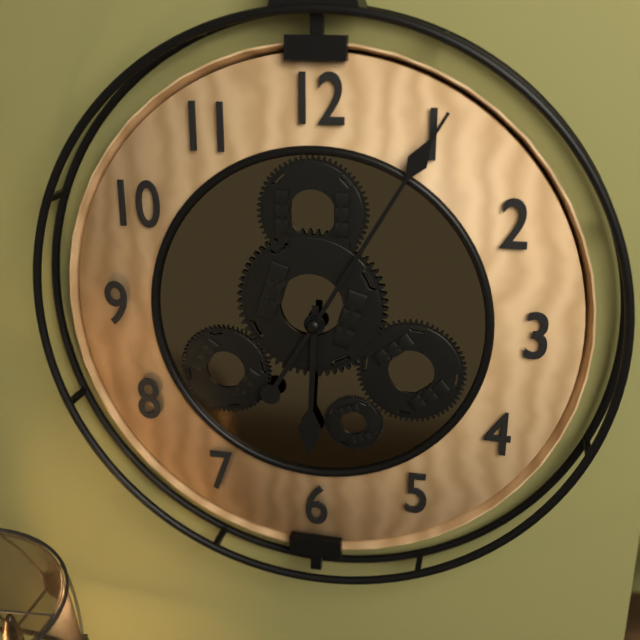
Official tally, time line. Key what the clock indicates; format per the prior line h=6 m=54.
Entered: h=6 m=5
